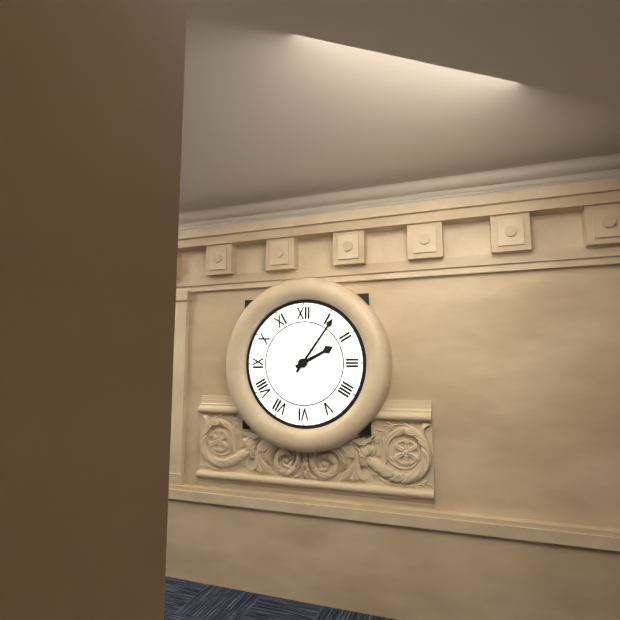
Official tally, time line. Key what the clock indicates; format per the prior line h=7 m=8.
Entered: h=2 m=6
